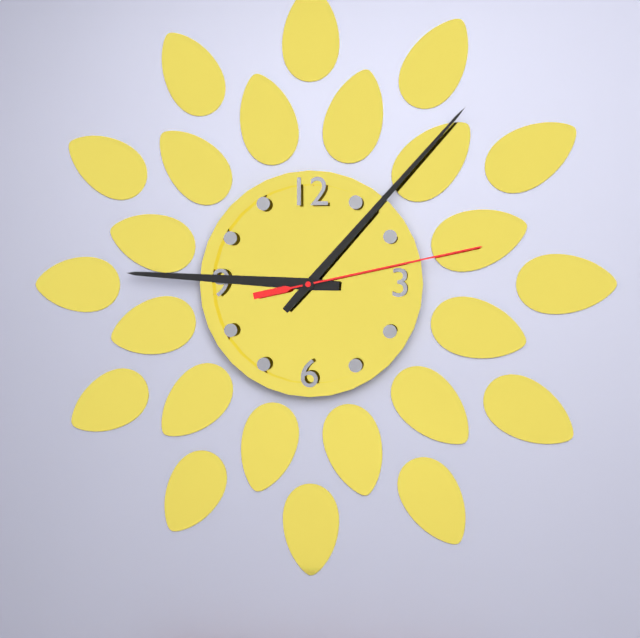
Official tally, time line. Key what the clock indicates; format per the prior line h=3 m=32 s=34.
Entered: h=9 m=7 s=13
